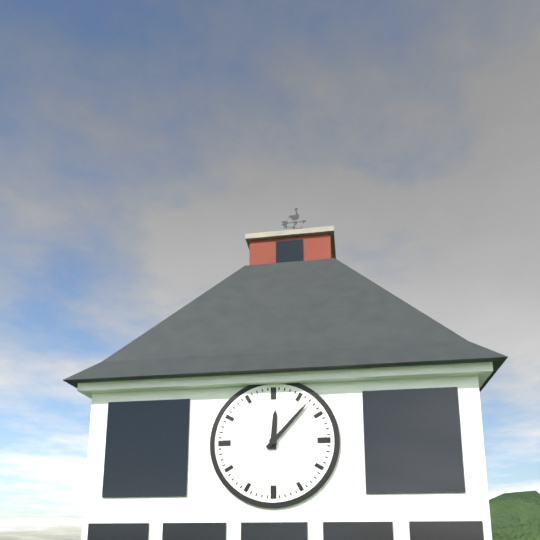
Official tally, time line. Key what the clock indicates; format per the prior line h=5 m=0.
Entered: h=12 m=7
